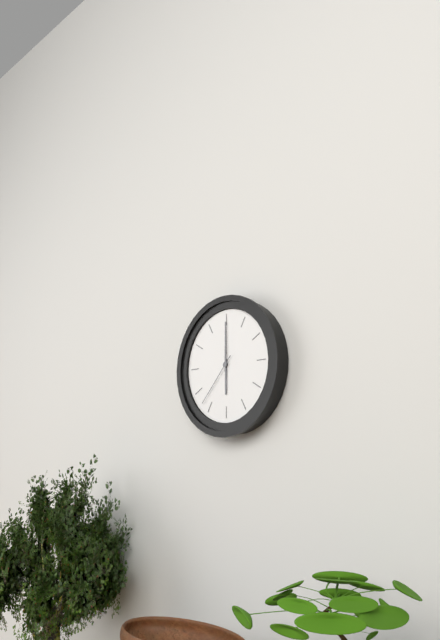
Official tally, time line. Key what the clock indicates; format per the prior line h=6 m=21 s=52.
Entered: h=6 m=0 s=37
